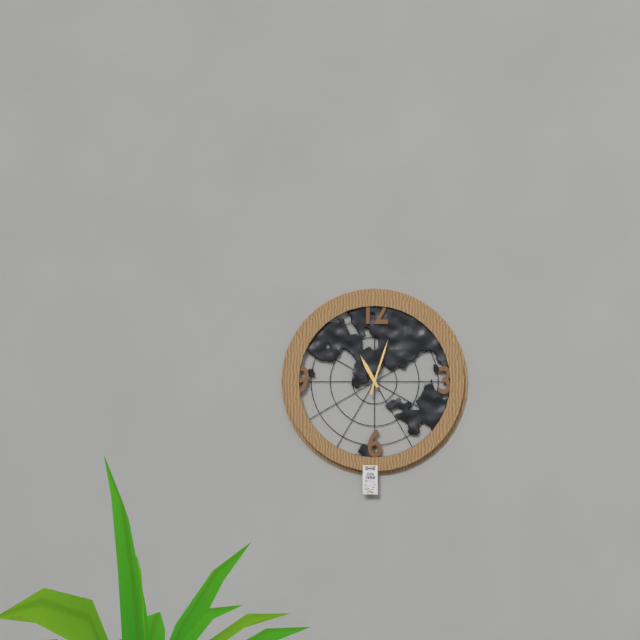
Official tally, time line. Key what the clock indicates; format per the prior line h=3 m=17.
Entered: h=11 m=3
